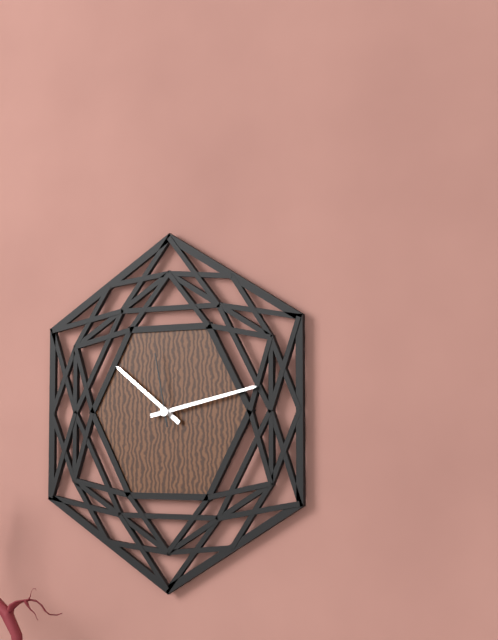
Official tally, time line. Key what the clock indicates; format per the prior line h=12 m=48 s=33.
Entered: h=10 m=13 s=58
